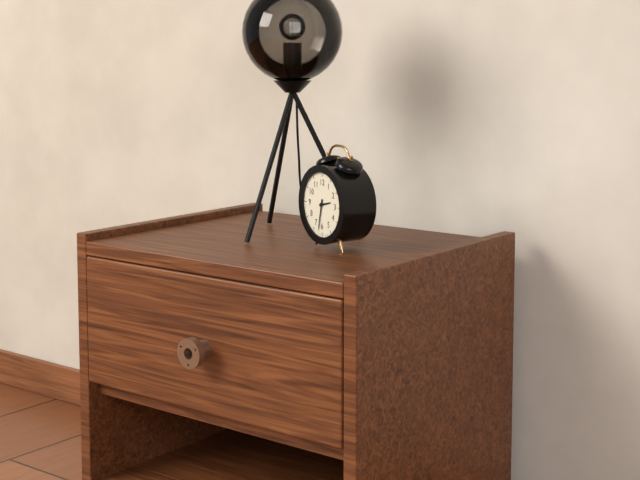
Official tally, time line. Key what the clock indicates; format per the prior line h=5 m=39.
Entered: h=2 m=32
